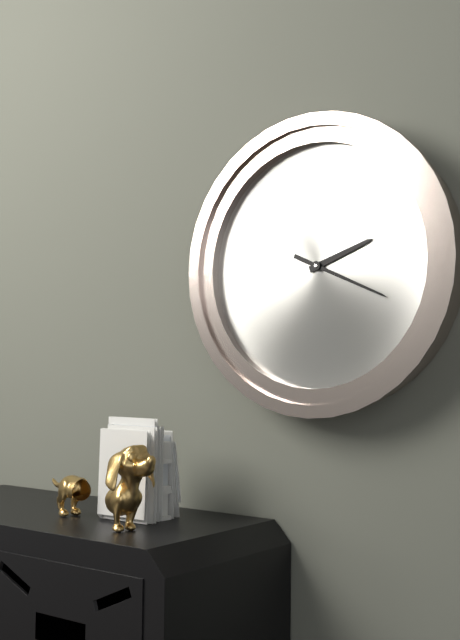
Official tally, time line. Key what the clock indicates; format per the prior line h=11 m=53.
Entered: h=2 m=19
